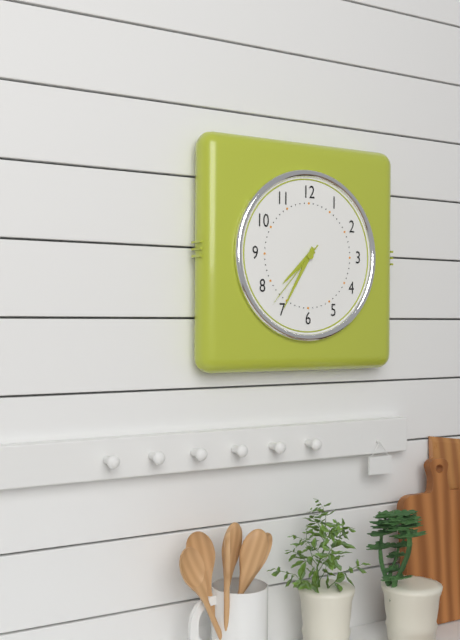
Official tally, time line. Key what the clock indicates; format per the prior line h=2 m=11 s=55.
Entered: h=7 m=35 s=37
